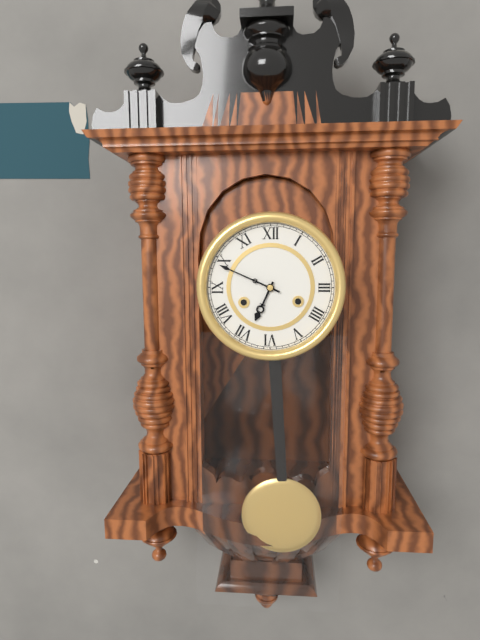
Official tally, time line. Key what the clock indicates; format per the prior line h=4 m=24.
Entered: h=6 m=49
